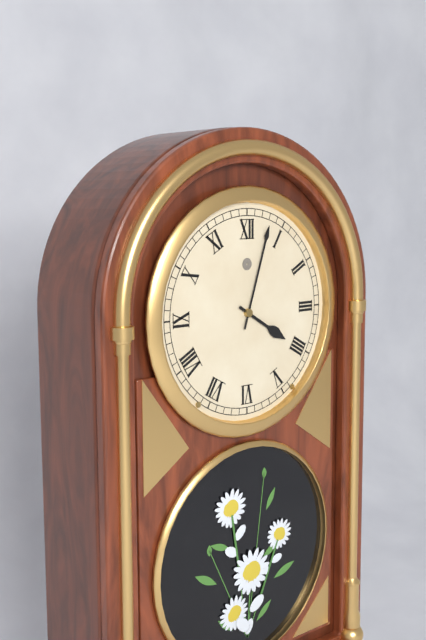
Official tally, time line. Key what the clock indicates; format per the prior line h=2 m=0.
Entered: h=4 m=3
